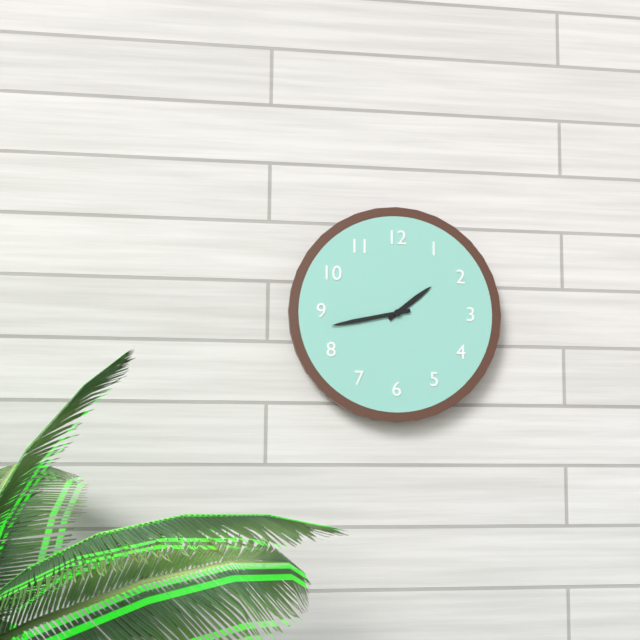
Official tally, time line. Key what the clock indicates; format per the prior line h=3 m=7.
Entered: h=1 m=43
